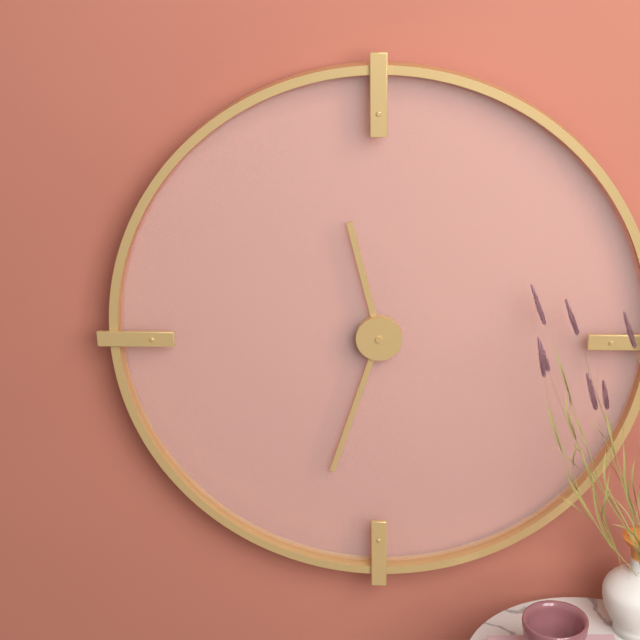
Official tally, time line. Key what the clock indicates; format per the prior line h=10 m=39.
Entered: h=11 m=33
